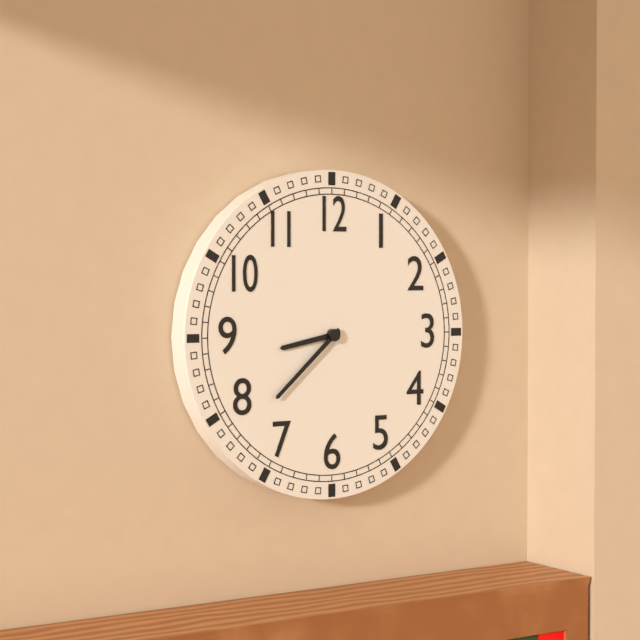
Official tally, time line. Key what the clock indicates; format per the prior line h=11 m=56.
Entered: h=8 m=38
